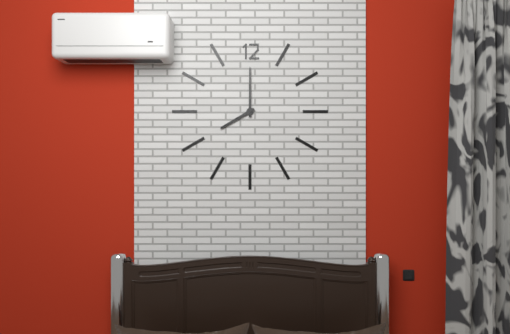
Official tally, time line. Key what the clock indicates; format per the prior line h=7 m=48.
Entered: h=8 m=0
